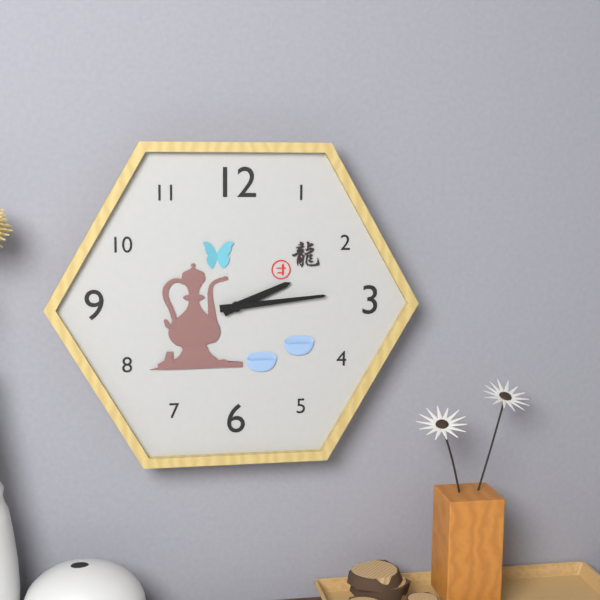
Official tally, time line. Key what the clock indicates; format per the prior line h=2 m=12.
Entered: h=2 m=14
